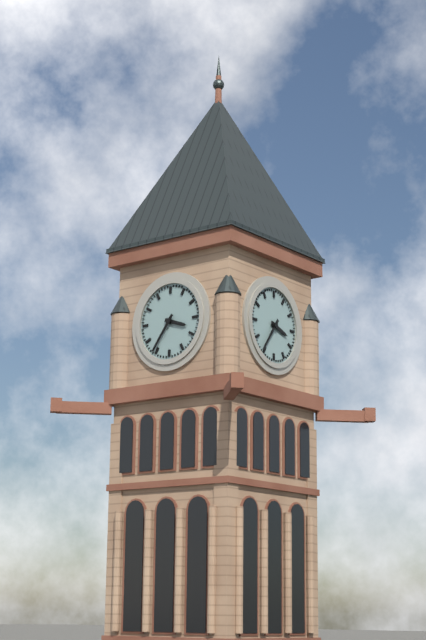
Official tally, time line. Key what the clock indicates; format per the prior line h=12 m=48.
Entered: h=3 m=36
